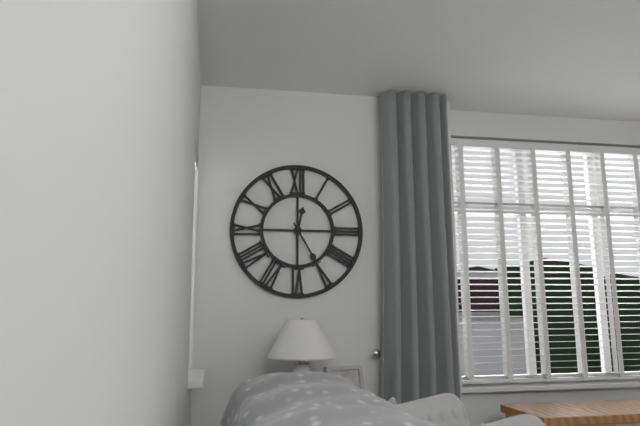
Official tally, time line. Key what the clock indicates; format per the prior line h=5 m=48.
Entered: h=12 m=25
